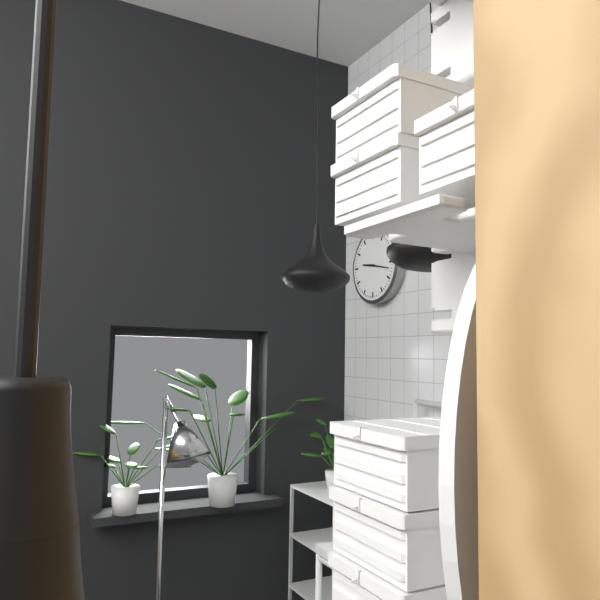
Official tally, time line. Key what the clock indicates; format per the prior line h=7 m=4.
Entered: h=9 m=17
